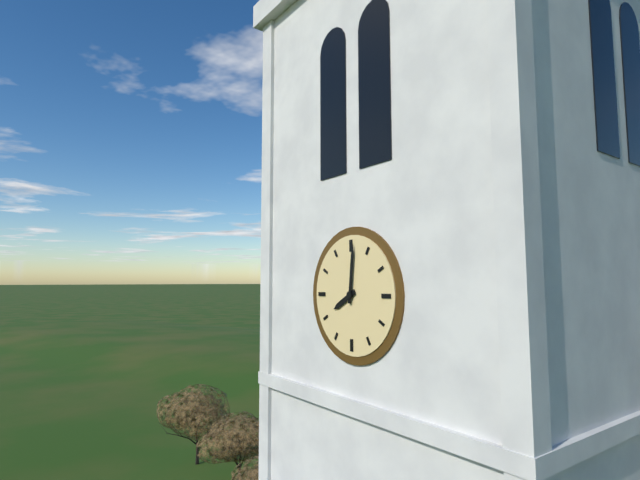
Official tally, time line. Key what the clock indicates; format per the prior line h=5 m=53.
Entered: h=8 m=1
